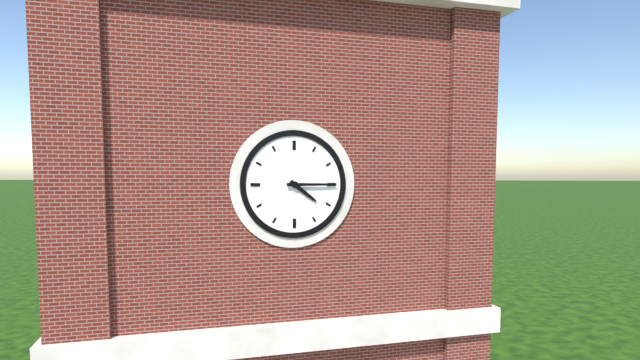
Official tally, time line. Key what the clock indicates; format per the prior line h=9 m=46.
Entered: h=4 m=15
